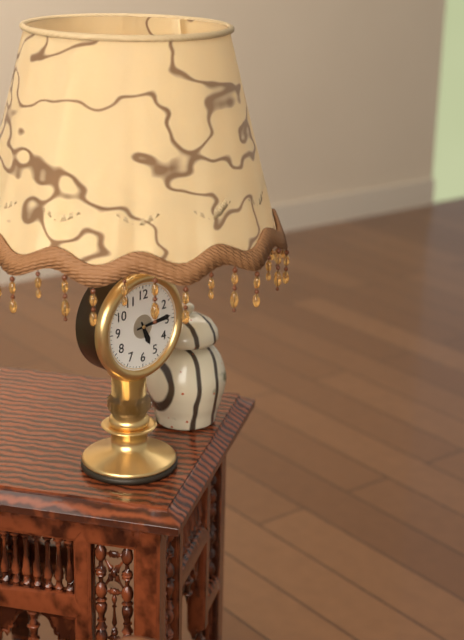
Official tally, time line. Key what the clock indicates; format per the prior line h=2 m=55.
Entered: h=5 m=14
